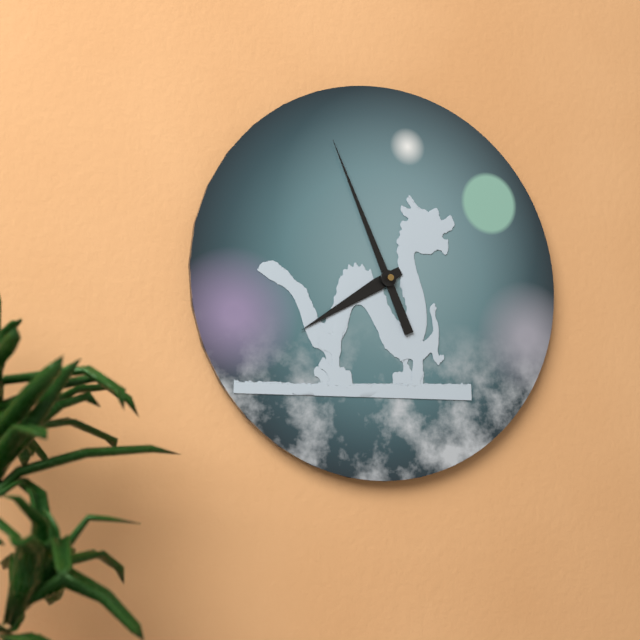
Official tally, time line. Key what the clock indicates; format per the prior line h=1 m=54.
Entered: h=7 m=56
